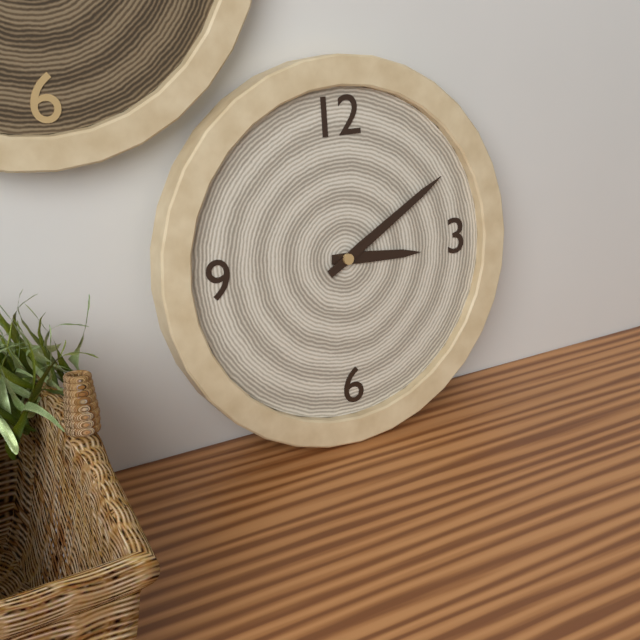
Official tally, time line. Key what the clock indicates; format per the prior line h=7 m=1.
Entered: h=3 m=10
